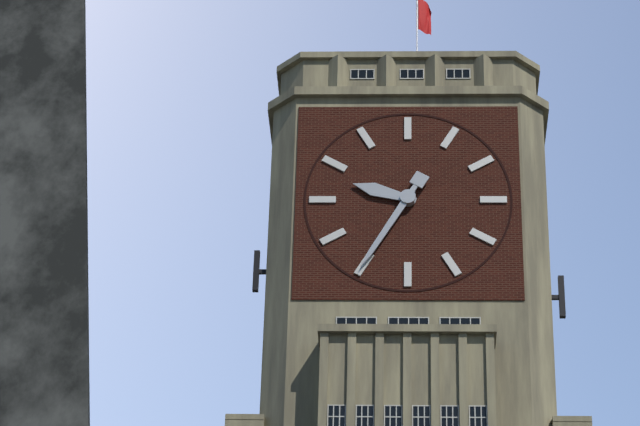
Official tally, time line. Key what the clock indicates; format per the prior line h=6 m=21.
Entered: h=9 m=35
